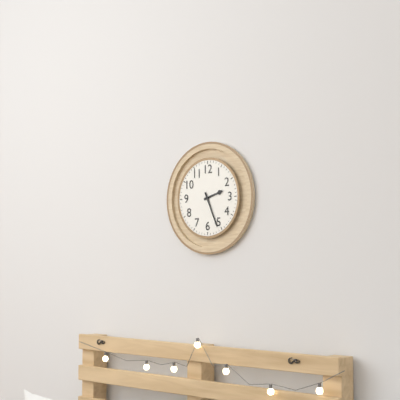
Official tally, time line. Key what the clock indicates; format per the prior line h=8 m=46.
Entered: h=2 m=26
